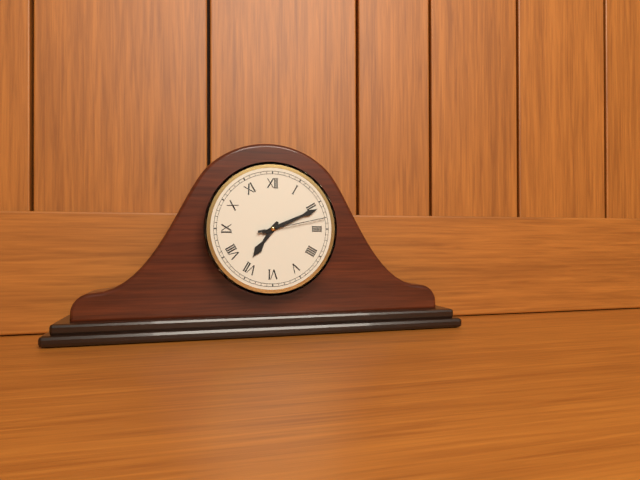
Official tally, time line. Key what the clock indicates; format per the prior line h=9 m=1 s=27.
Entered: h=7 m=11 s=13
